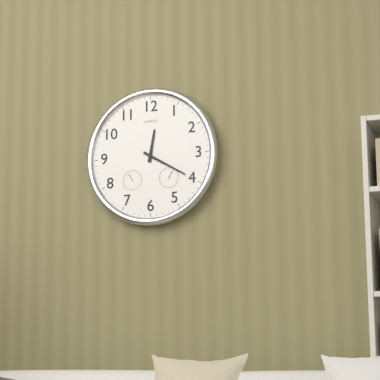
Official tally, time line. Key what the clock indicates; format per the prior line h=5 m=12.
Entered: h=12 m=20
